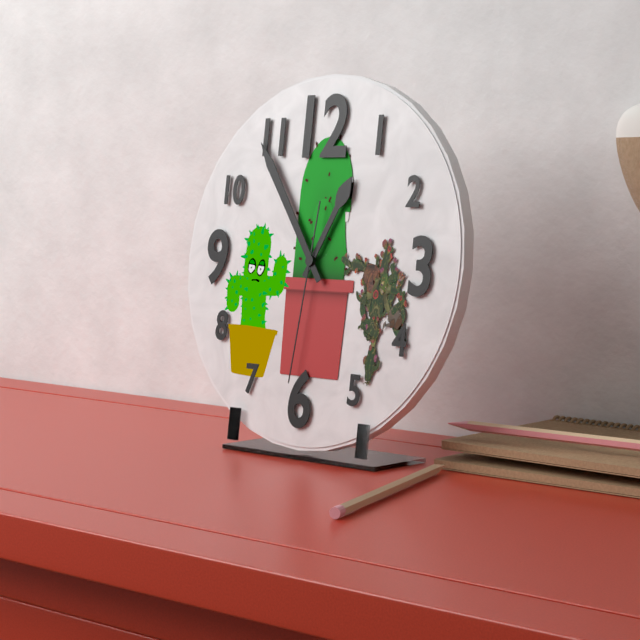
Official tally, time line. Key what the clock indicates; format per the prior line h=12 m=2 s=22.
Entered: h=12 m=54 s=31
